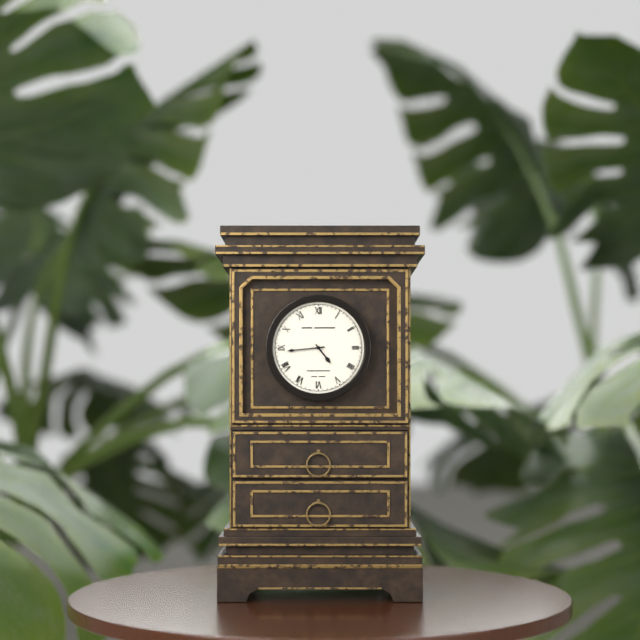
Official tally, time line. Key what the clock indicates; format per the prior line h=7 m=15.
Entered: h=4 m=44
